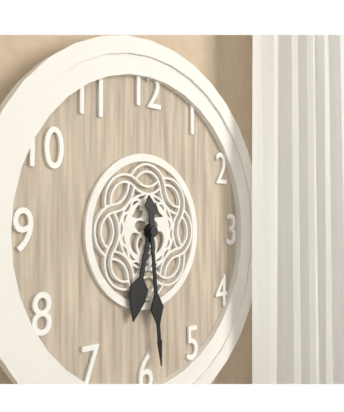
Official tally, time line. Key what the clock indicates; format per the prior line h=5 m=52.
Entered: h=6 m=29
